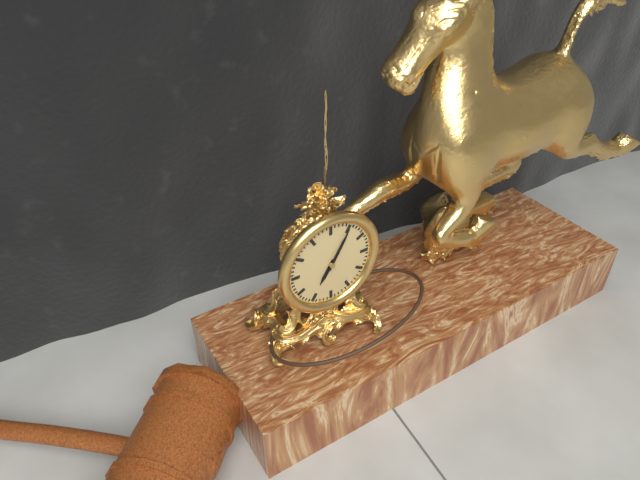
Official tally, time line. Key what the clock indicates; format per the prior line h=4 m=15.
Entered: h=7 m=5
